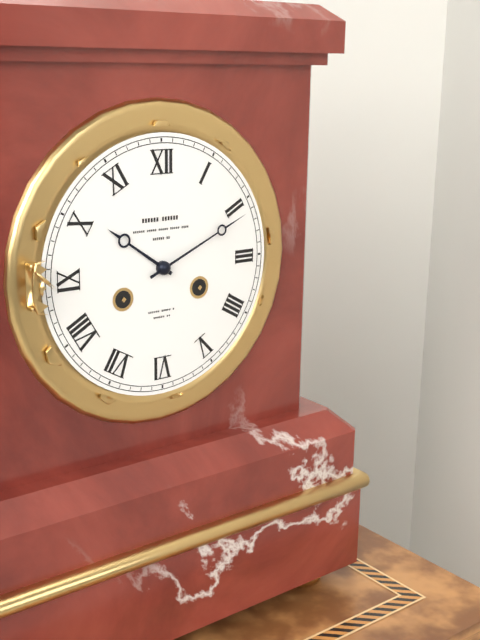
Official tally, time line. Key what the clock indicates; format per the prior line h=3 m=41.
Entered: h=10 m=11
